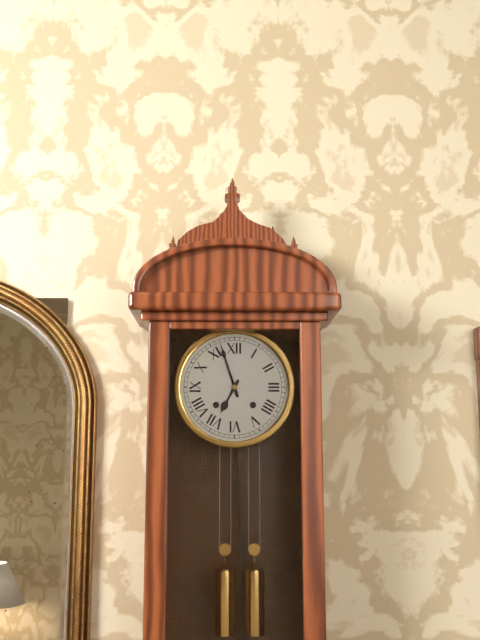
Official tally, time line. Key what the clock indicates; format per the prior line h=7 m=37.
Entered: h=6 m=57
